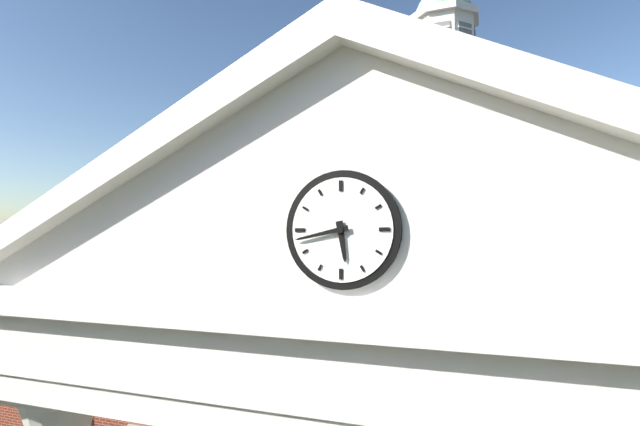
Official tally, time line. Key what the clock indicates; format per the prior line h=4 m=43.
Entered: h=5 m=43
